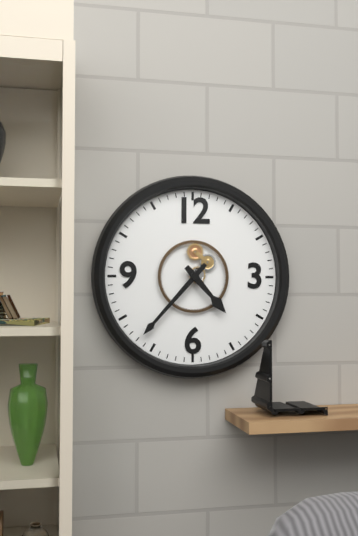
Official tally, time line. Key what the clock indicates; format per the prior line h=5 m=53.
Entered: h=4 m=37
